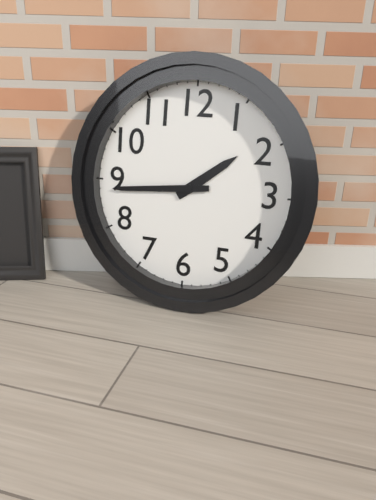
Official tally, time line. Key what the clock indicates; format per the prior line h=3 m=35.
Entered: h=1 m=44
